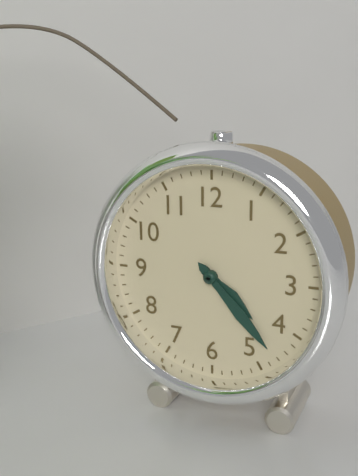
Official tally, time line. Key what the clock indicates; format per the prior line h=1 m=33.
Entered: h=4 m=23
